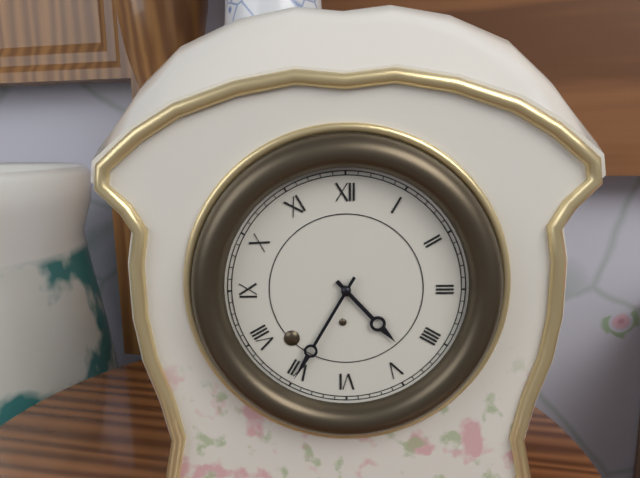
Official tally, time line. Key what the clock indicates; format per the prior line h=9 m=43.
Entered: h=4 m=35
